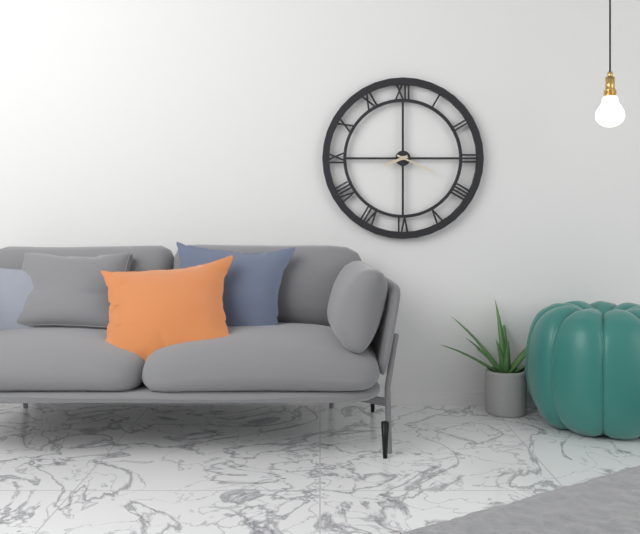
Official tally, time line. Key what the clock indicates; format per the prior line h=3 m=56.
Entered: h=8 m=19
